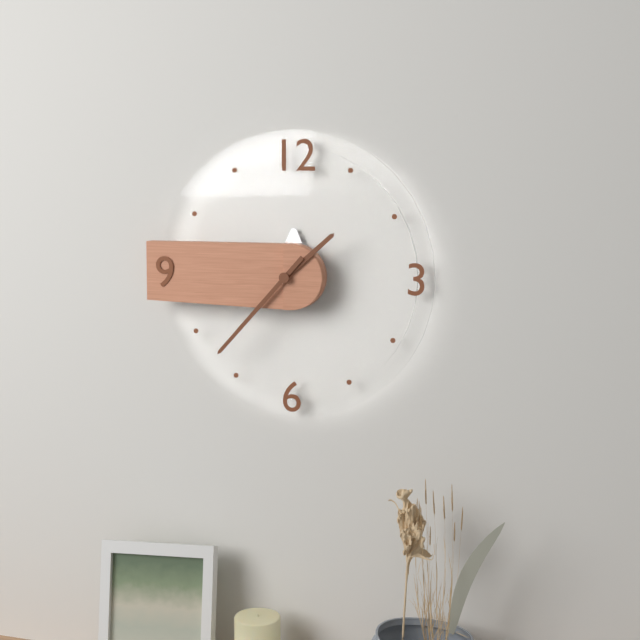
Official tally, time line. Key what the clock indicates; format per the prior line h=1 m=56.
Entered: h=1 m=37
